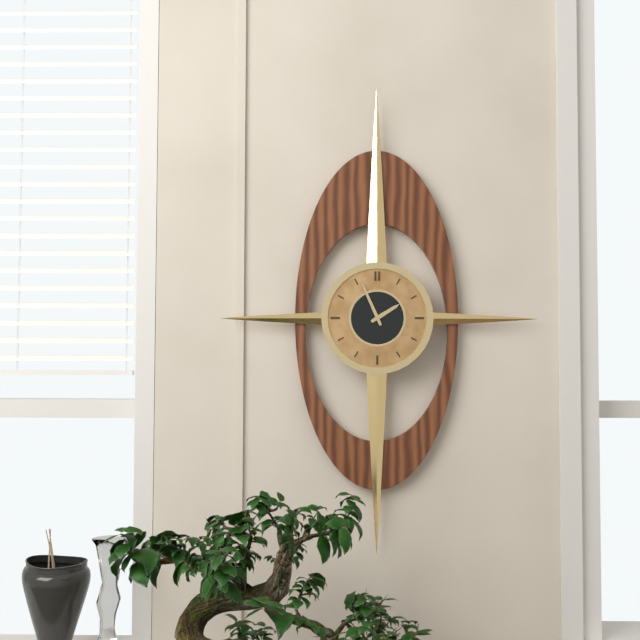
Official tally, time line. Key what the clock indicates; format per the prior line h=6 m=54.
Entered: h=1 m=56
